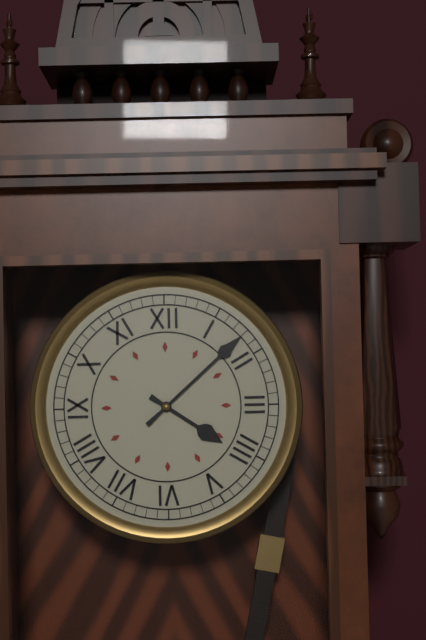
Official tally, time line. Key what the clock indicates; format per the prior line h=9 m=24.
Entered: h=4 m=8
